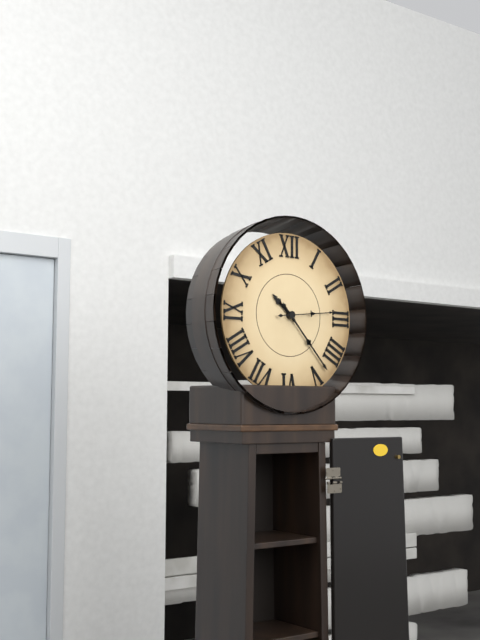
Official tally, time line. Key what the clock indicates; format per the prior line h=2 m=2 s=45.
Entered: h=10 m=23 s=14
